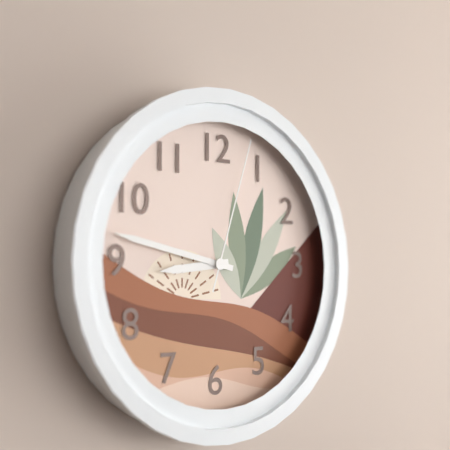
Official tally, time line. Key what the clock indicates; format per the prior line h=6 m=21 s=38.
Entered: h=8 m=47 s=3
